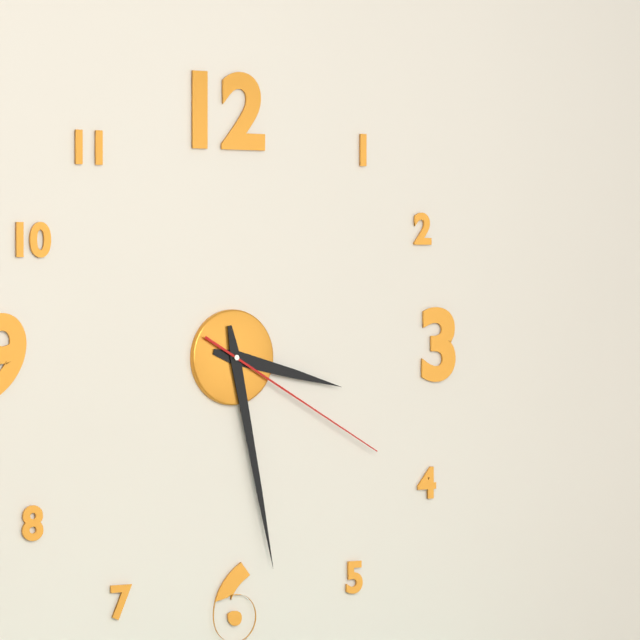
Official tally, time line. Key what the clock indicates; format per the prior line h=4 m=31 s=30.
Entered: h=3 m=28 s=20
